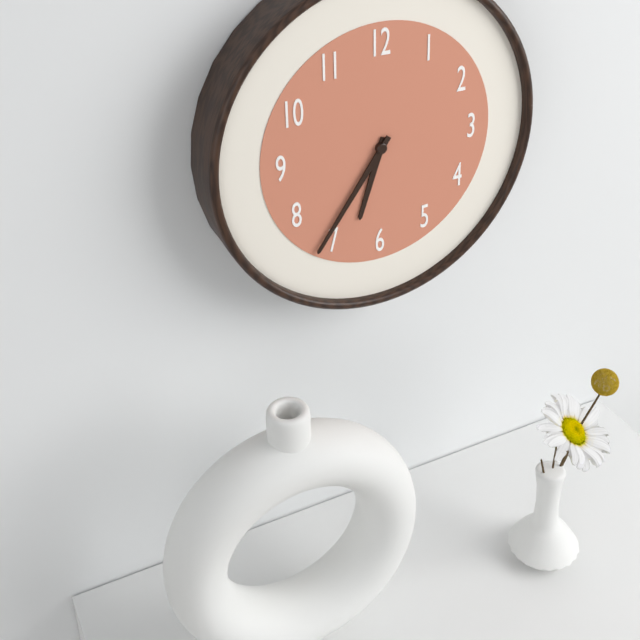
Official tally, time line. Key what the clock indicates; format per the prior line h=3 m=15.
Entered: h=6 m=36
